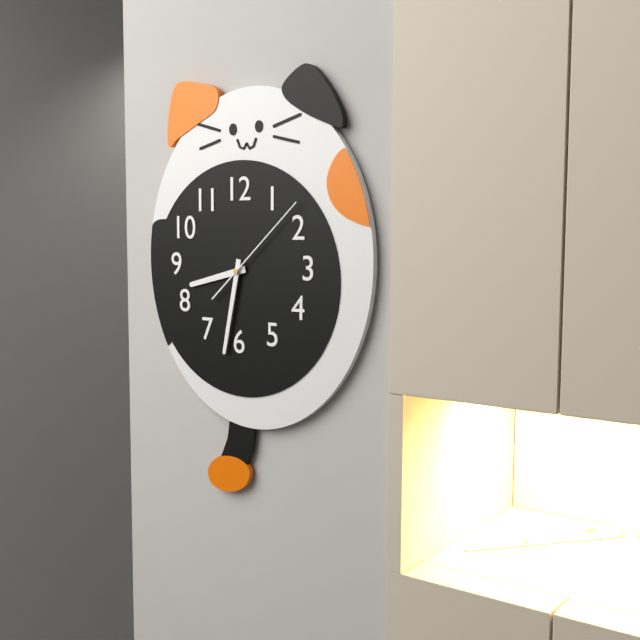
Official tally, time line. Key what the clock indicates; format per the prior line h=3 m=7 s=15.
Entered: h=8 m=32 s=8
